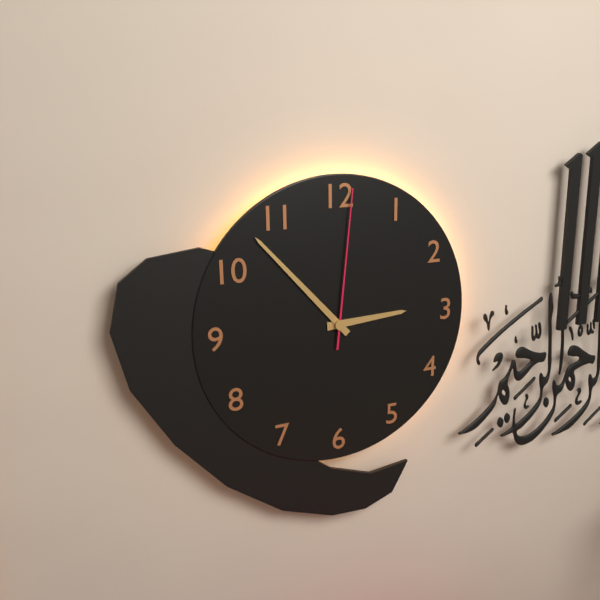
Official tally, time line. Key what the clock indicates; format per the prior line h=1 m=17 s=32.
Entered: h=2 m=53 s=1
